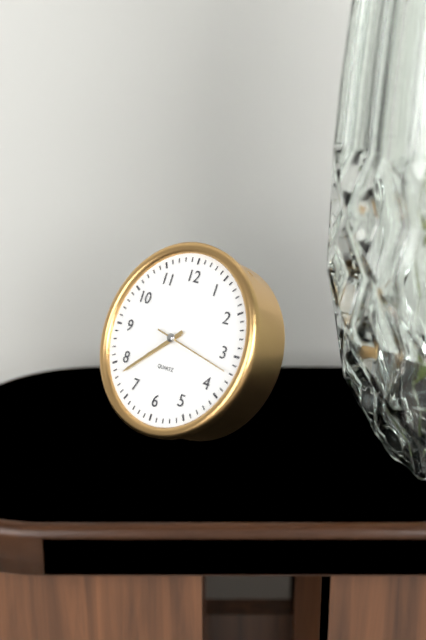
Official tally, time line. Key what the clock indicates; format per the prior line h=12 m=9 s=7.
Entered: h=7 m=38 s=17
